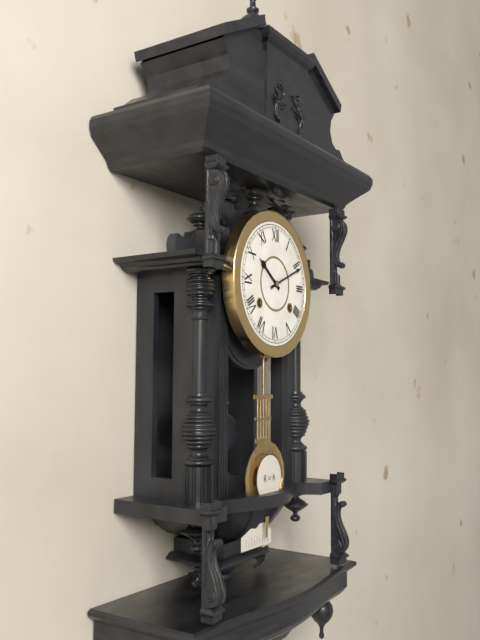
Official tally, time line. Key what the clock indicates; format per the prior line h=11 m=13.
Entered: h=10 m=11
